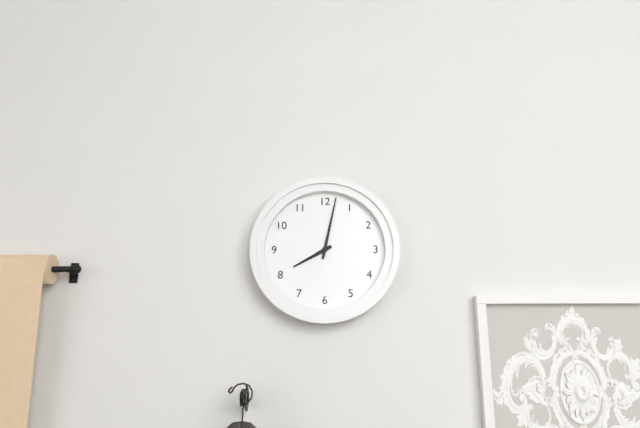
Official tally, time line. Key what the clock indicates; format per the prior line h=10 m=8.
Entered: h=8 m=2
